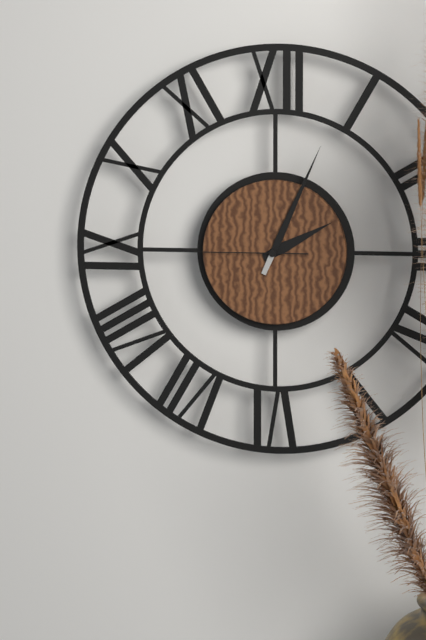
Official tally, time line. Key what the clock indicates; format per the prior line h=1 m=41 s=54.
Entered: h=2 m=4 s=45
